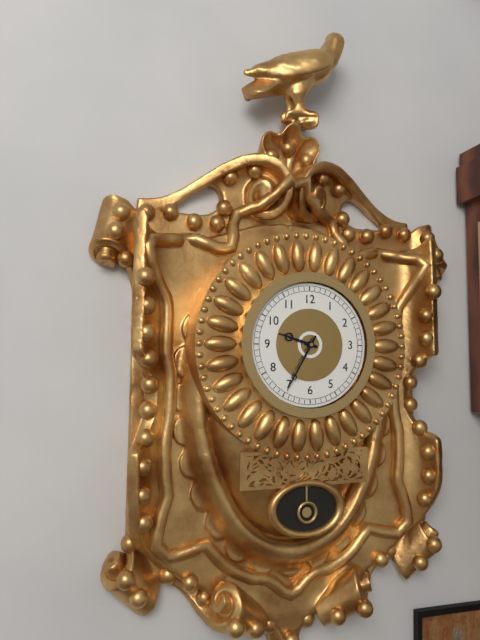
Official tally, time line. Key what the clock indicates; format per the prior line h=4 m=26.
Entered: h=9 m=35
